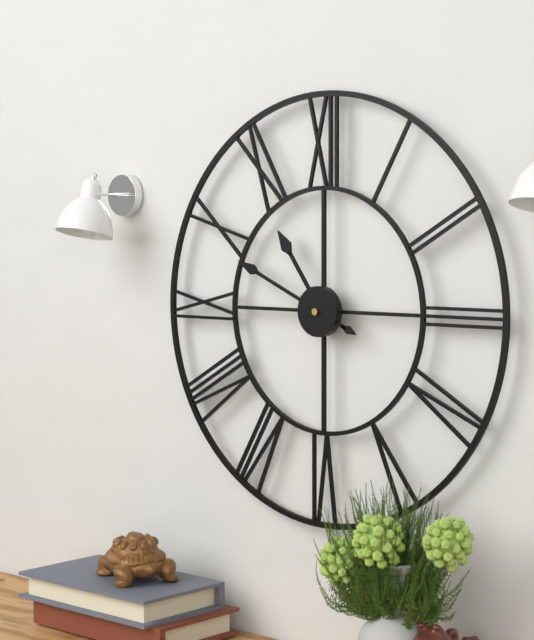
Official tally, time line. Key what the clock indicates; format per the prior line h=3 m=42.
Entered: h=10 m=49
